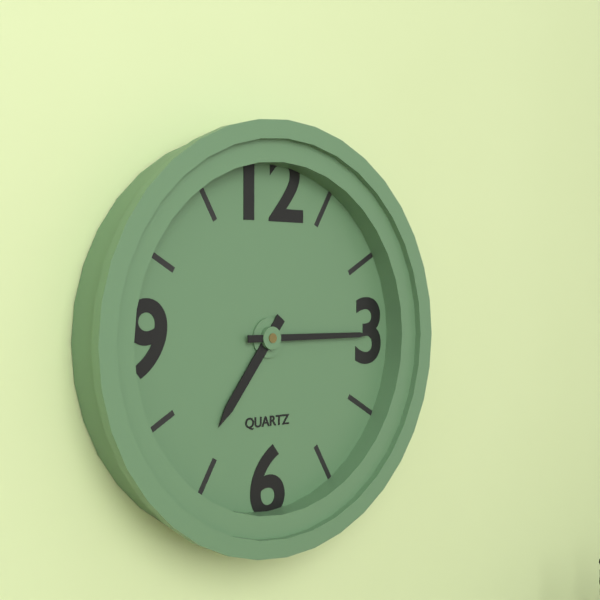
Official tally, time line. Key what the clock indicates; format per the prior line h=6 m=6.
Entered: h=7 m=15
